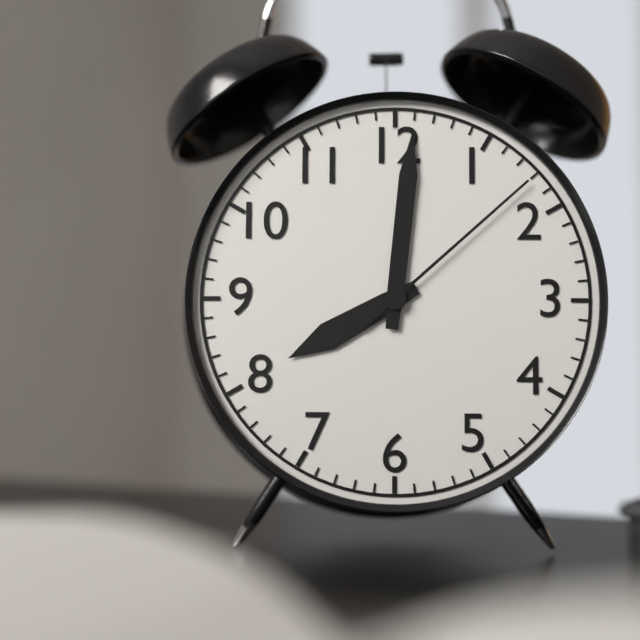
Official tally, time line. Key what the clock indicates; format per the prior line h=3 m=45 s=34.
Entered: h=8 m=1 s=8
